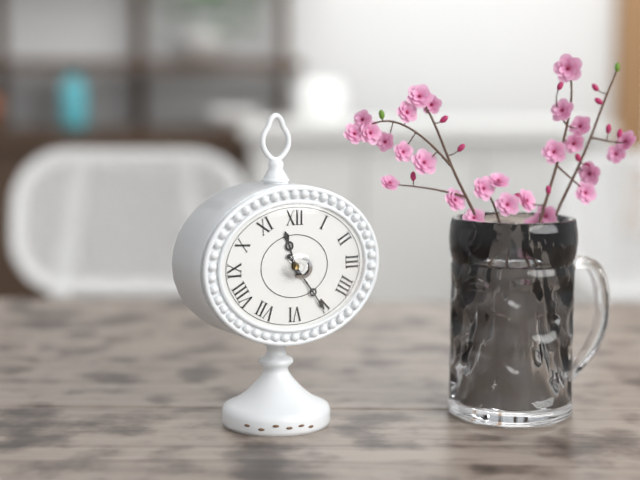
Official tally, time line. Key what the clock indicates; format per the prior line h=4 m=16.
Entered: h=11 m=24
